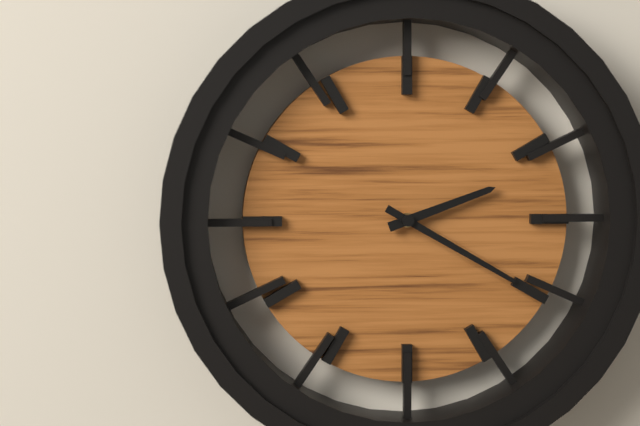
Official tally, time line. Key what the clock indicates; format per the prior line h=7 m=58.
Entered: h=2 m=20
